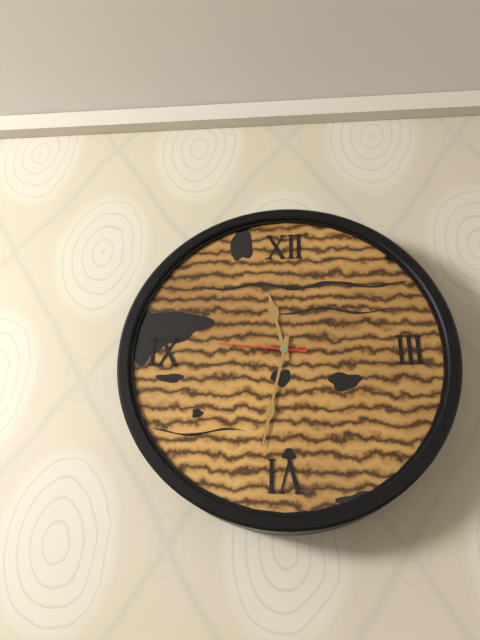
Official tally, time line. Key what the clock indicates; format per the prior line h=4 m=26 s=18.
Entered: h=11 m=32 s=46
